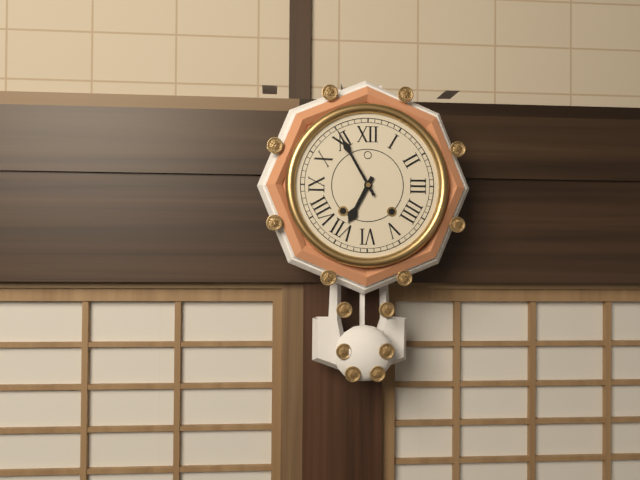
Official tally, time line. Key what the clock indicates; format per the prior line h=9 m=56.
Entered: h=6 m=55
